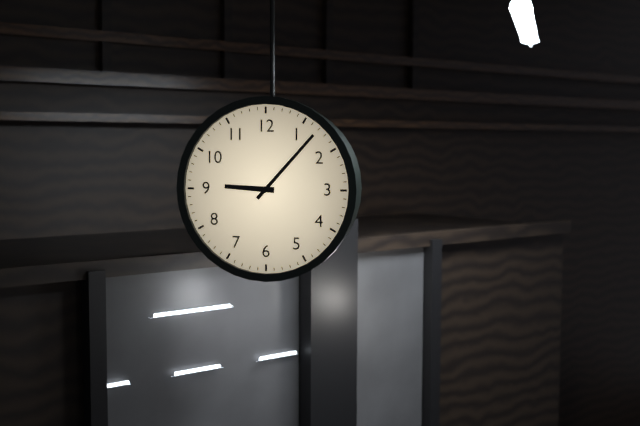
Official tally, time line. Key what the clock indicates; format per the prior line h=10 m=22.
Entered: h=9 m=7
